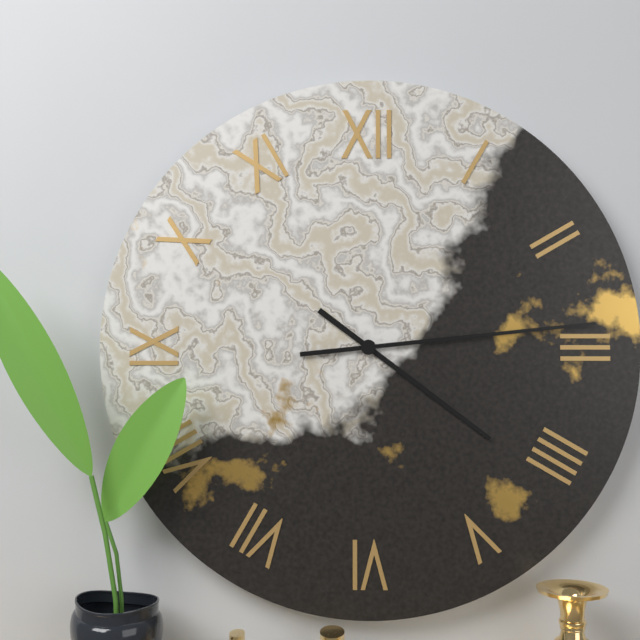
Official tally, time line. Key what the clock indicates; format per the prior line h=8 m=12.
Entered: h=4 m=14
